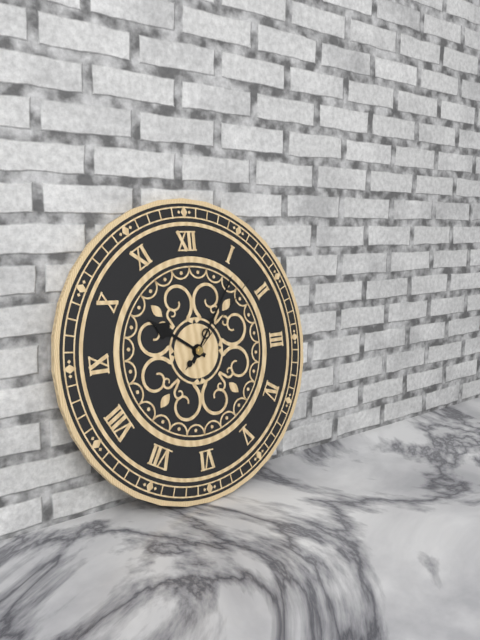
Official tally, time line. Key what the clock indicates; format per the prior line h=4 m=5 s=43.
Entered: h=10 m=6 s=8
